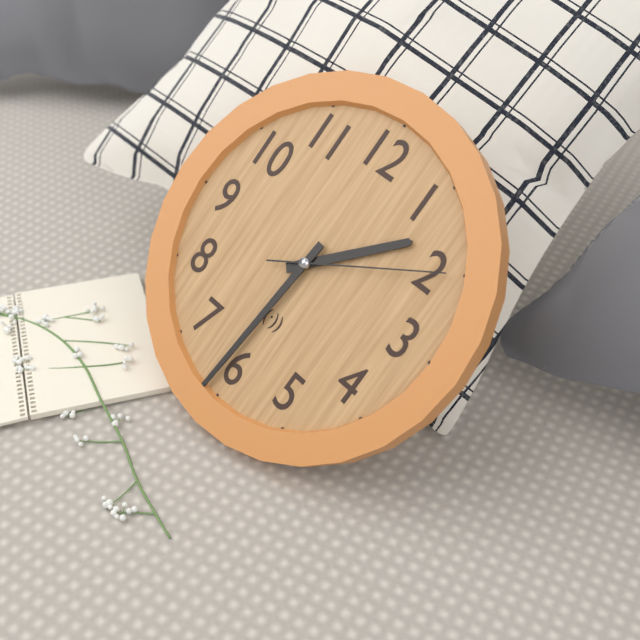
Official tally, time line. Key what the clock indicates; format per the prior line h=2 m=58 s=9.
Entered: h=1 m=31 s=10
